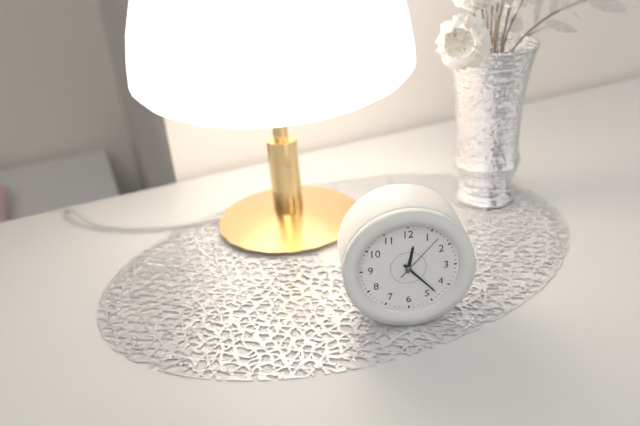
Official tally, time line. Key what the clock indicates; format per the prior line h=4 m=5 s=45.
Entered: h=12 m=23 s=7
